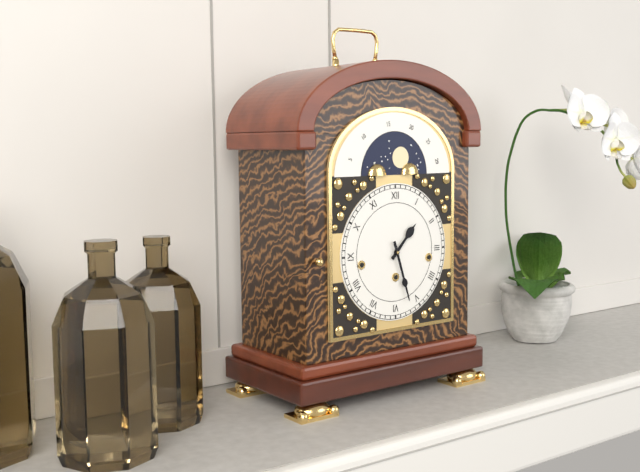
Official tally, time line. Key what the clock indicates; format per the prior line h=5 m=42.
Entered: h=1 m=27
